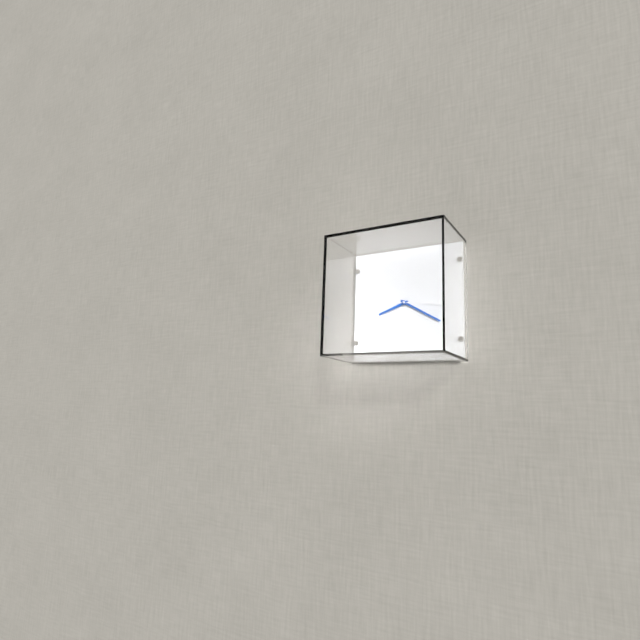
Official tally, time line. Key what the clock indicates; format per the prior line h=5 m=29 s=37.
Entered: h=8 m=20 s=16
